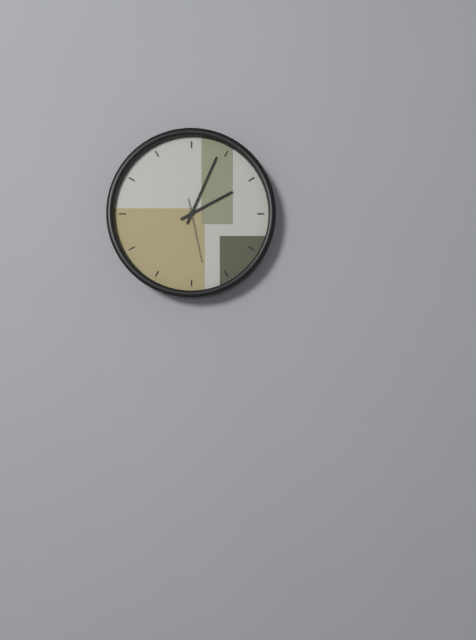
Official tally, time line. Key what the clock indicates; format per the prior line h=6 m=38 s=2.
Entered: h=2 m=4 s=28
